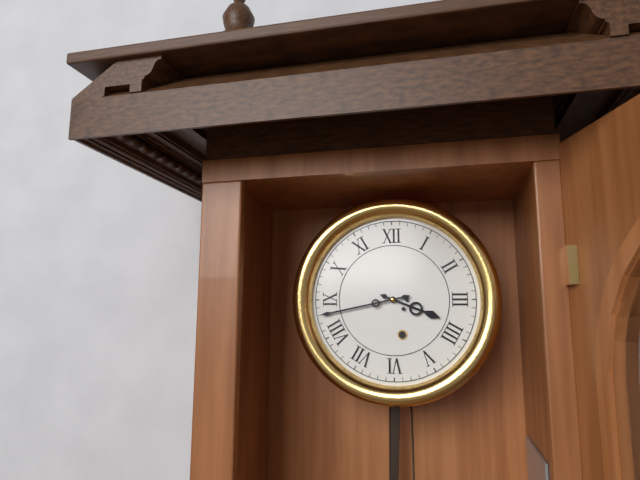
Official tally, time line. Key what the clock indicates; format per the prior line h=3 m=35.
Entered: h=3 m=43
